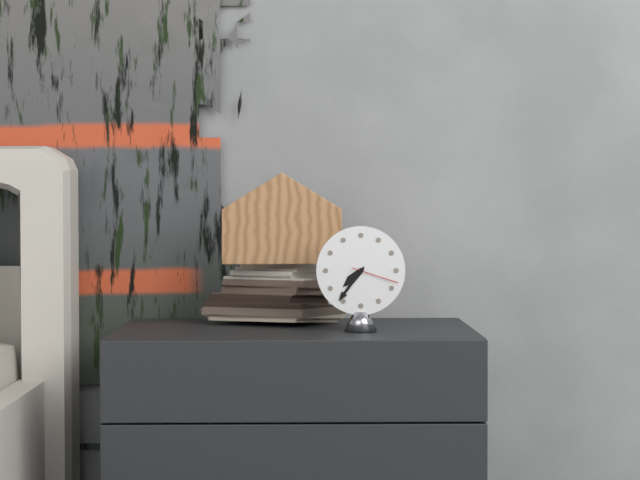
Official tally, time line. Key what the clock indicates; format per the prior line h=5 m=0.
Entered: h=7 m=36
